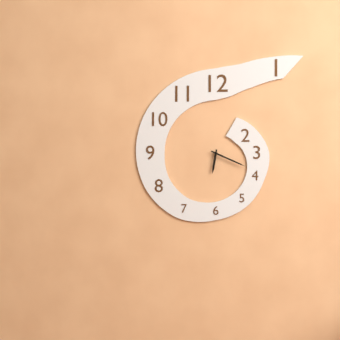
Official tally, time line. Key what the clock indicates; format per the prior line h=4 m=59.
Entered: h=6 m=19
